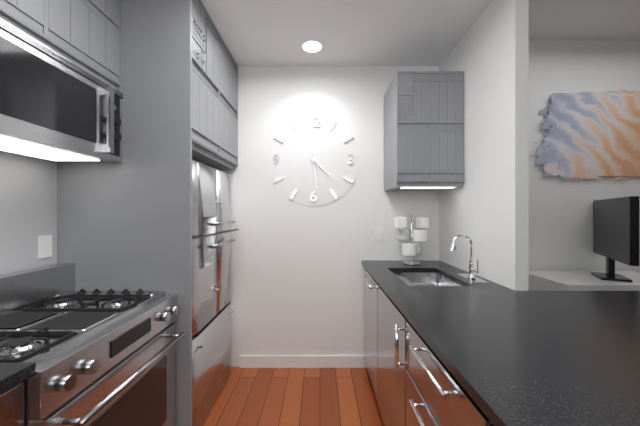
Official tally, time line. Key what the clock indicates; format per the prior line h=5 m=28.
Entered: h=4 m=29
